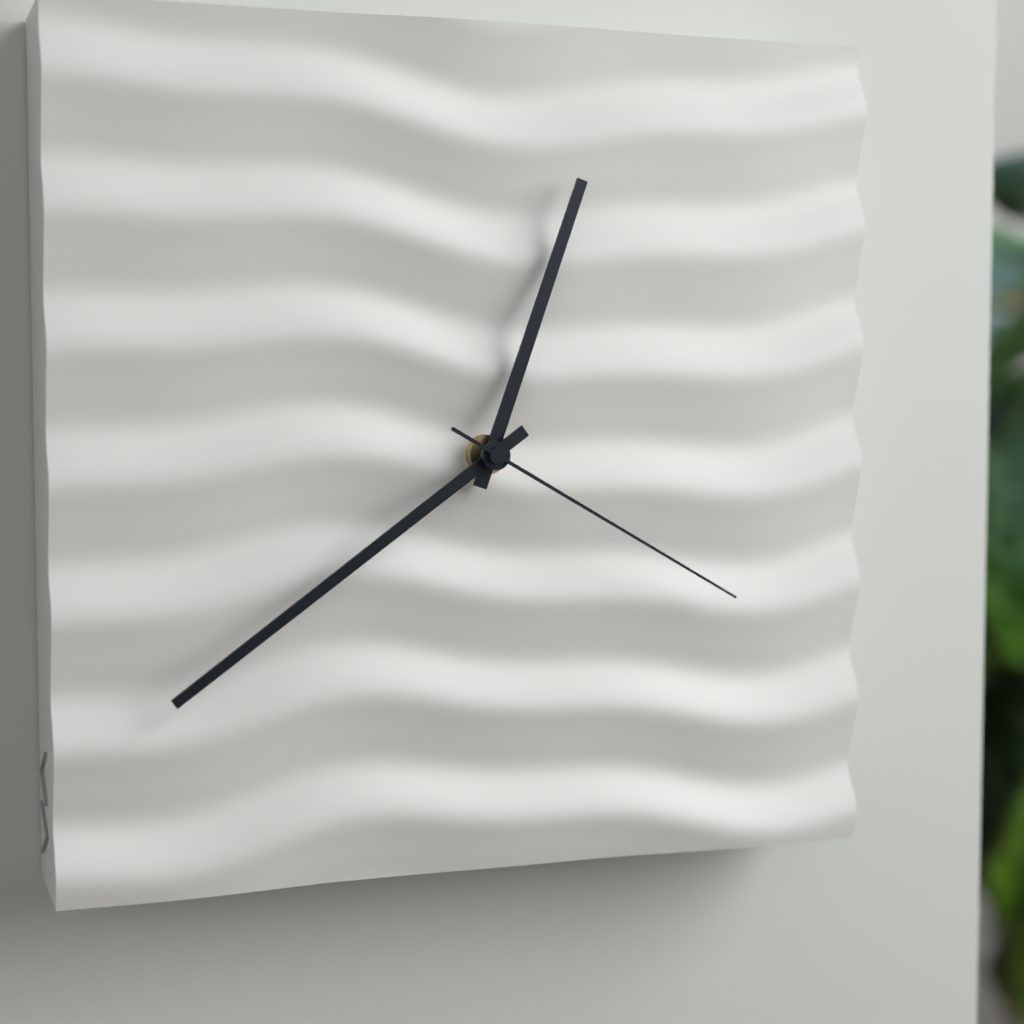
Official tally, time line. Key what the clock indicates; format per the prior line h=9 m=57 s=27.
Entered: h=12 m=39 s=20
